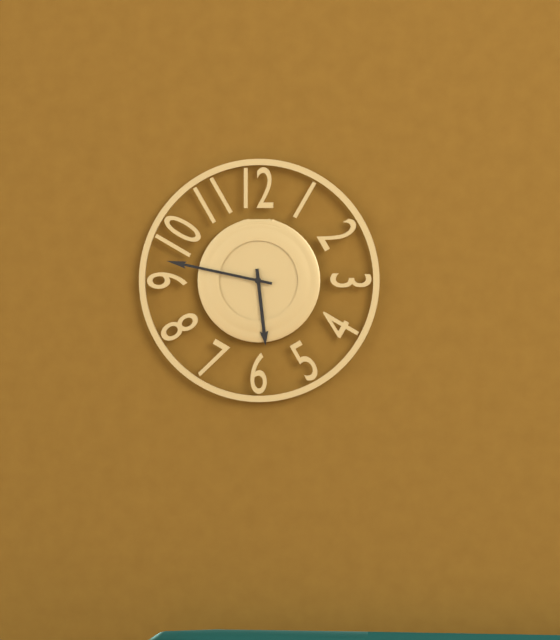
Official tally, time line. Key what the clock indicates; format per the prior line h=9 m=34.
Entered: h=5 m=47
